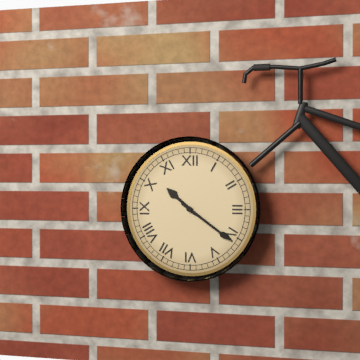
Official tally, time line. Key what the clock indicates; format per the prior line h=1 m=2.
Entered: h=10 m=21
